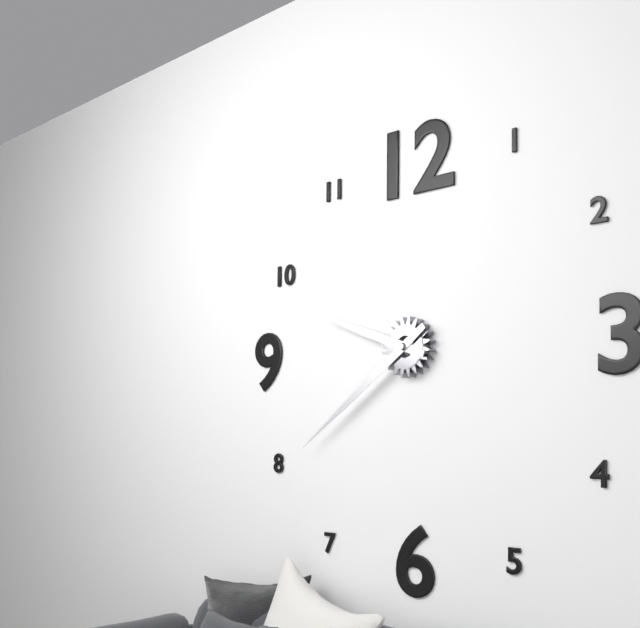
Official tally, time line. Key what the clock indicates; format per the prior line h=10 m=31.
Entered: h=9 m=39
